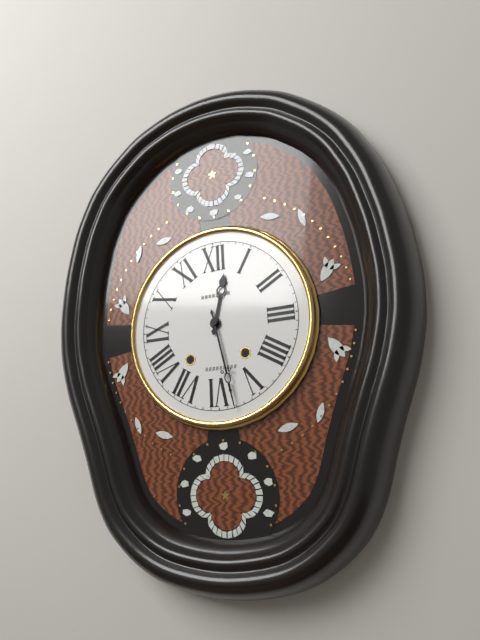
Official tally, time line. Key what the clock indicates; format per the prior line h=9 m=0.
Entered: h=12 m=28
